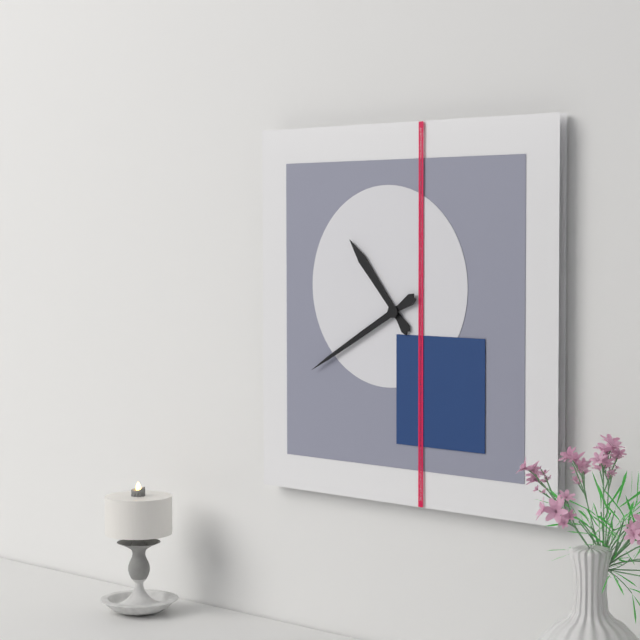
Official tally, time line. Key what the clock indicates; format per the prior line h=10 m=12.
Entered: h=10 m=40
